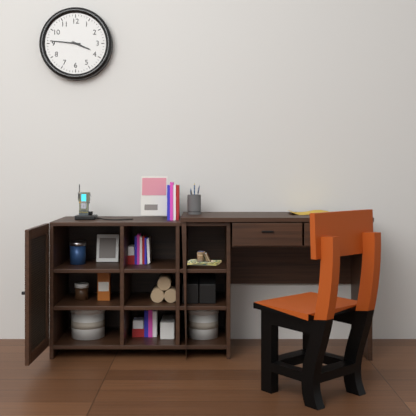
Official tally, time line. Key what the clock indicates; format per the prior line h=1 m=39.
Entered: h=3 m=46
